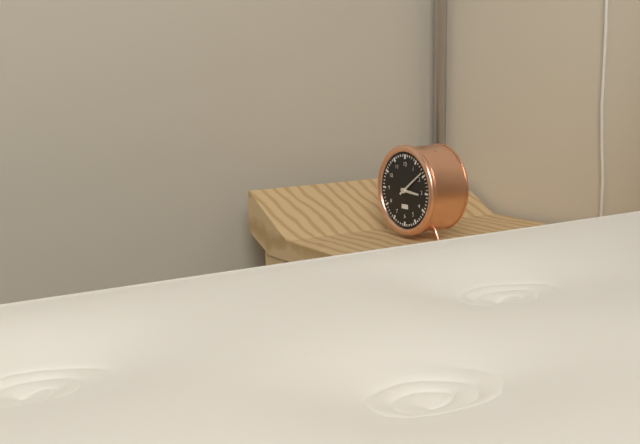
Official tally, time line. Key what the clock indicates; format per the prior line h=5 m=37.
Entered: h=3 m=9
